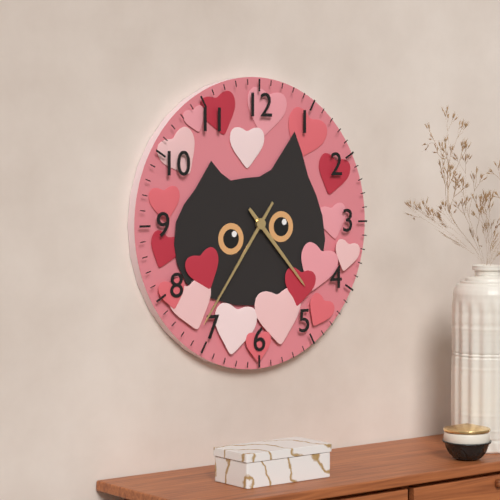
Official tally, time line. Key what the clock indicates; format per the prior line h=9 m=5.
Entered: h=4 m=36
